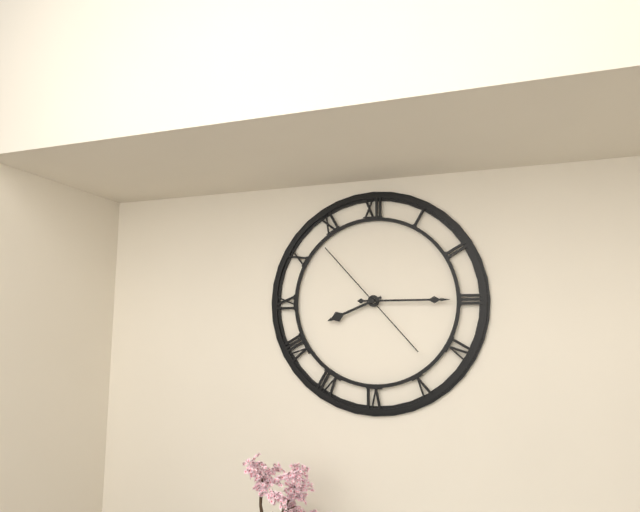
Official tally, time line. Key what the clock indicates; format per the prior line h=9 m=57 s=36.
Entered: h=8 m=15 s=53
